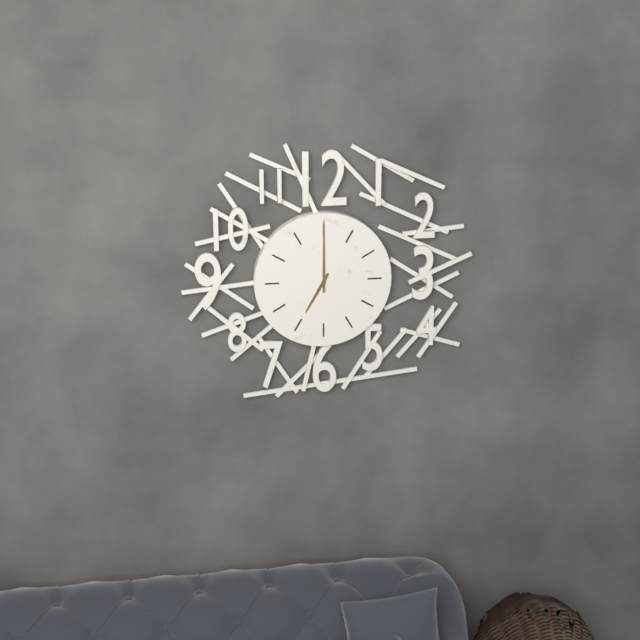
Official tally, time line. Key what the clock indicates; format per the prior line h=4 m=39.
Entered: h=7 m=0
